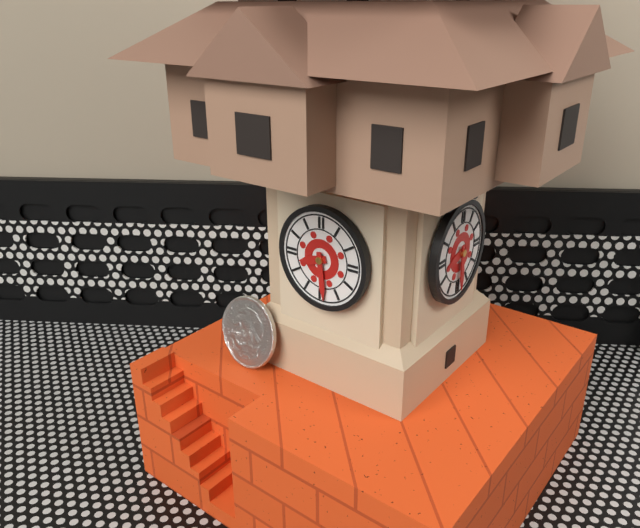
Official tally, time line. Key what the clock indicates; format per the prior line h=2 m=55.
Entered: h=8 m=29
